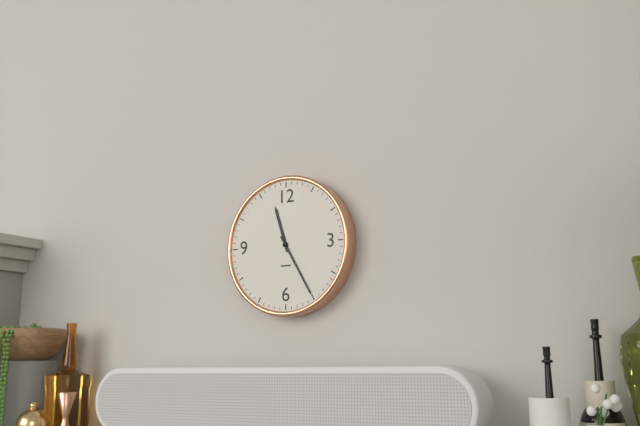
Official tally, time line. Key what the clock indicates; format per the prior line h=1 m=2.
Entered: h=11 m=25
